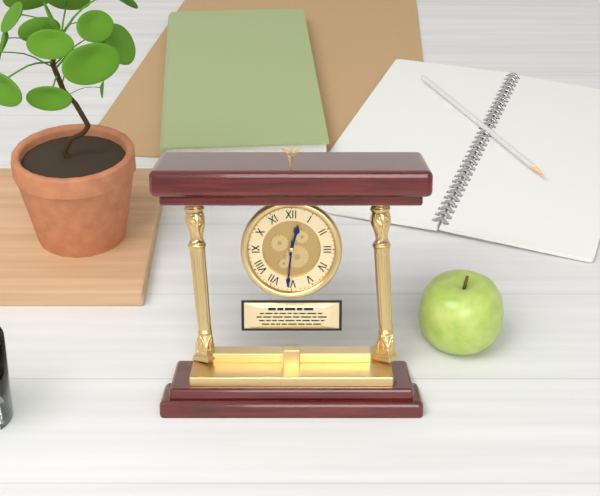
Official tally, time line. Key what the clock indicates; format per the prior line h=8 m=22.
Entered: h=12 m=31
